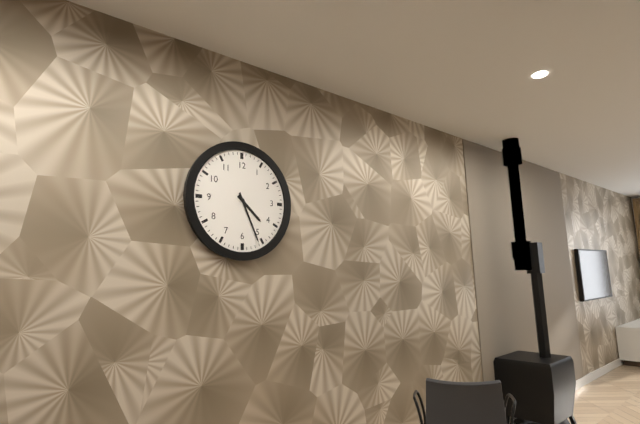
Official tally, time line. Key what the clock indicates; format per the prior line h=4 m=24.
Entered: h=4 m=26
